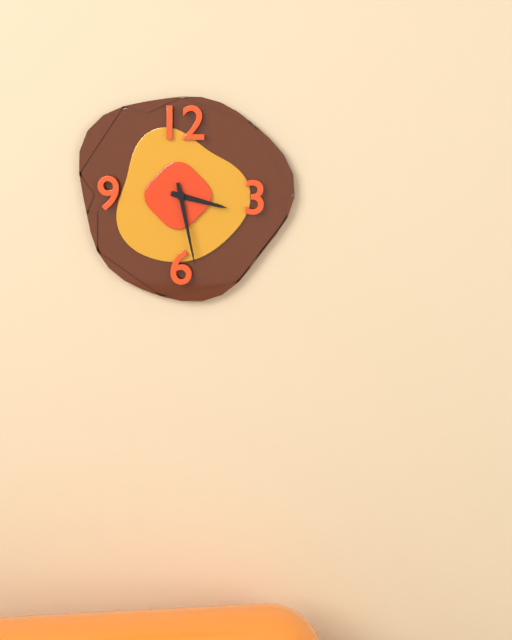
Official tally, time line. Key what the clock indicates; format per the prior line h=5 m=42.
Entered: h=3 m=28
